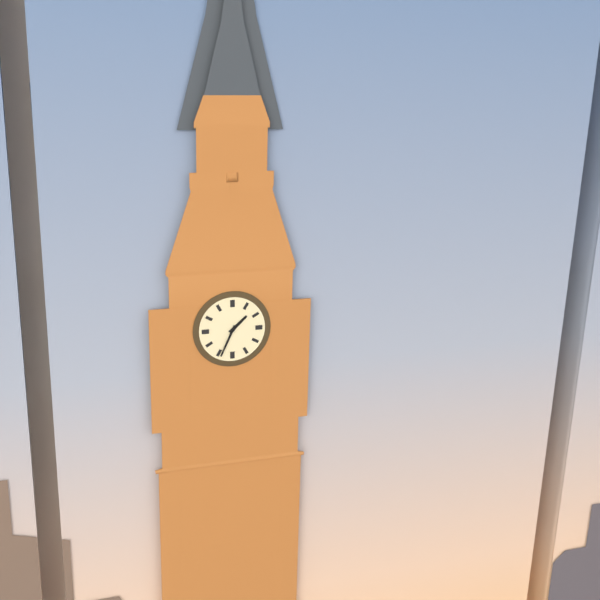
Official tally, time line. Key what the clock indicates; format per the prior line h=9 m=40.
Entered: h=1 m=34
